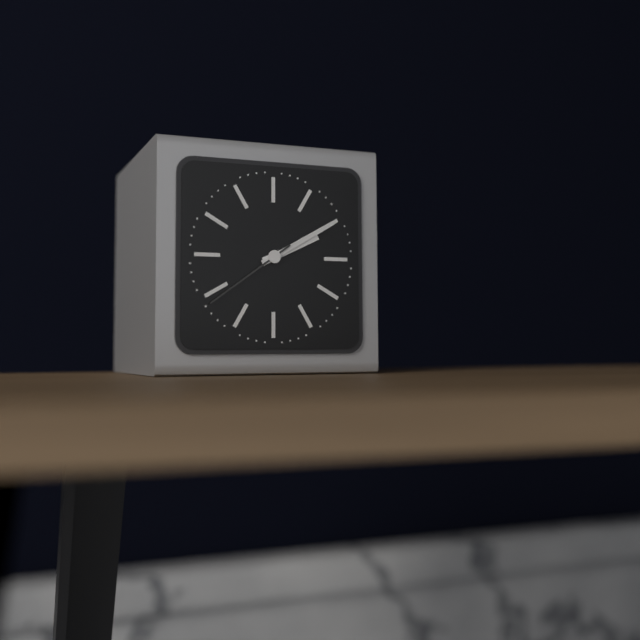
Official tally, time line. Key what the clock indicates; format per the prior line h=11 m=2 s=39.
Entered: h=2 m=10 s=39
